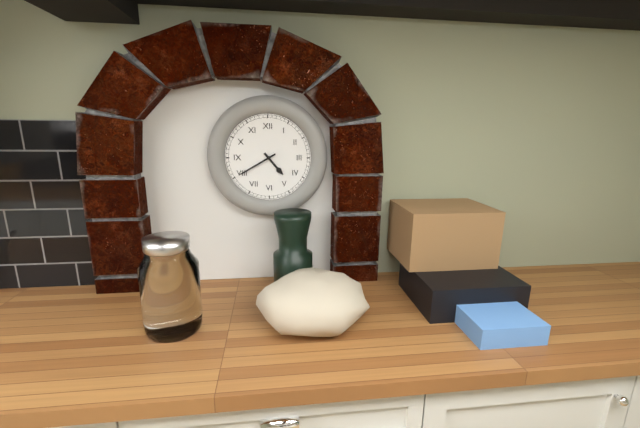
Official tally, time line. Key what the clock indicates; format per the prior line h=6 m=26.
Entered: h=4 m=40
